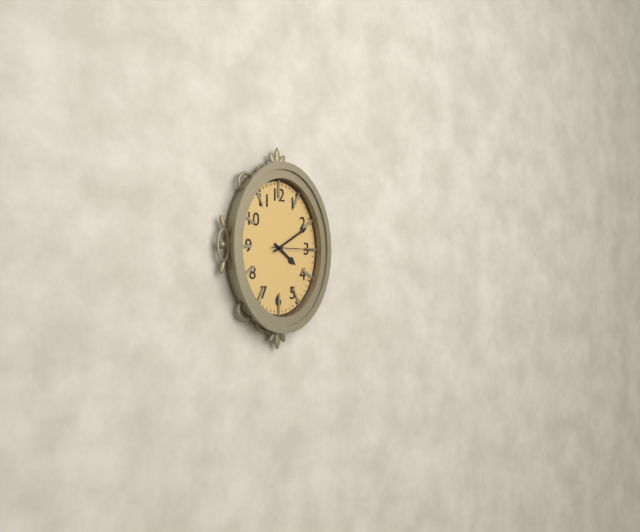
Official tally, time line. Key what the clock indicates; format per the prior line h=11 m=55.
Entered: h=4 m=10
